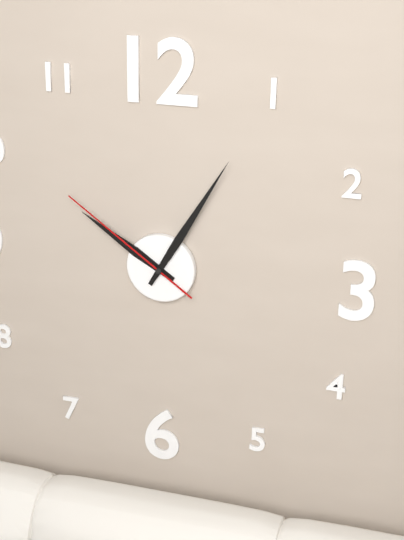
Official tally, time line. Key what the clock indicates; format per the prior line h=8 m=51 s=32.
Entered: h=10 m=5 s=51
